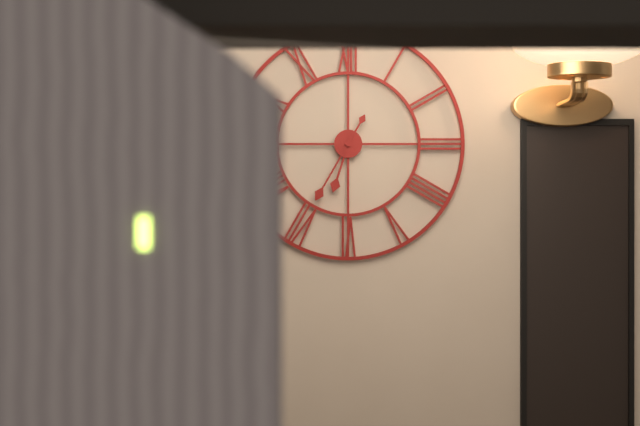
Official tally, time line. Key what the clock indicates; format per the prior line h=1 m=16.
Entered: h=6 m=35
